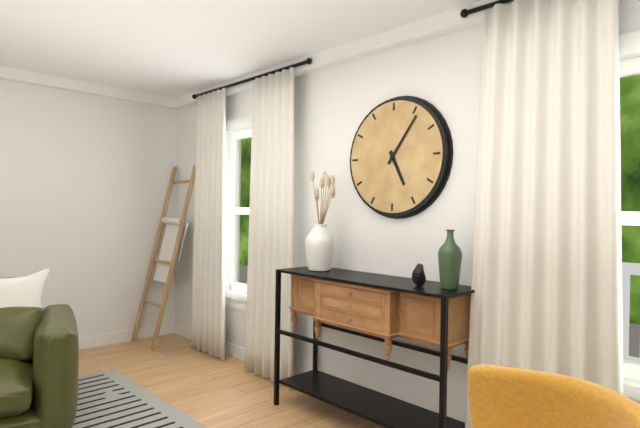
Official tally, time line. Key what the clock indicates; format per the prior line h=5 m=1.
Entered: h=5 m=6
